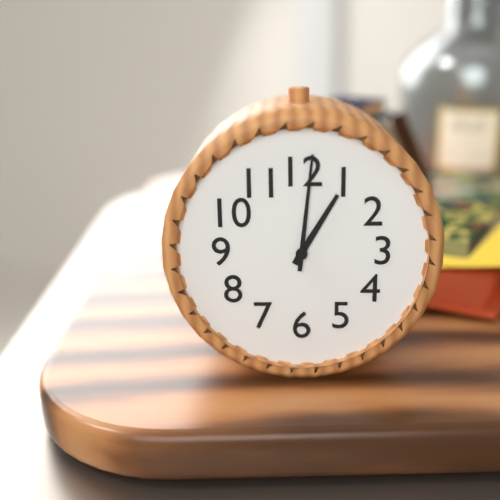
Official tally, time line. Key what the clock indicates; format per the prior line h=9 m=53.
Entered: h=1 m=1
